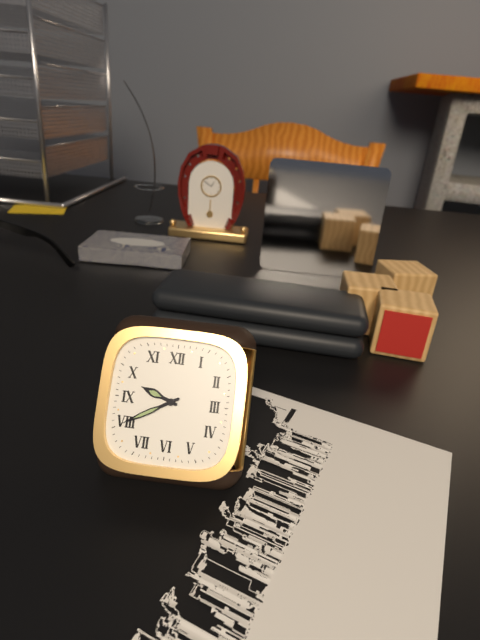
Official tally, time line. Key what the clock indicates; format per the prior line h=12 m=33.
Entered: h=9 m=40
